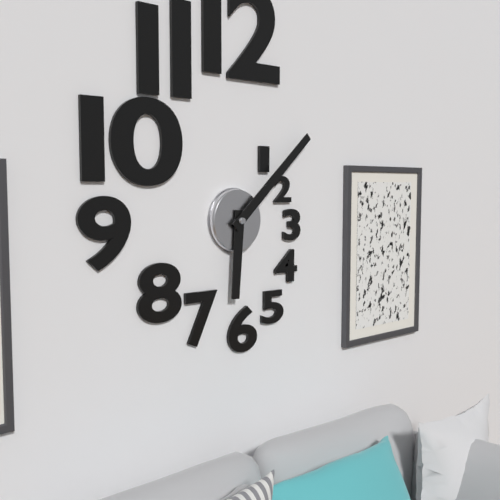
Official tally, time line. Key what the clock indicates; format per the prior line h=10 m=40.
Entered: h=6 m=8
